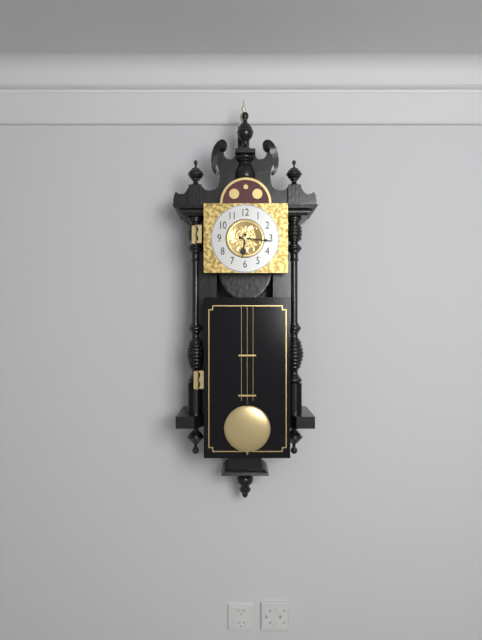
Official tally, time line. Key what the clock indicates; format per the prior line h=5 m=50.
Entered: h=6 m=16
